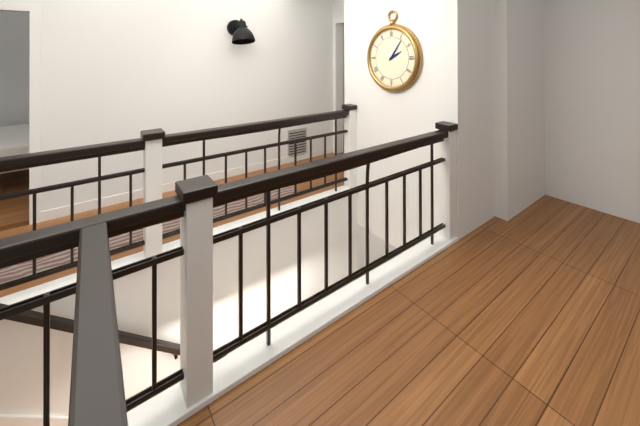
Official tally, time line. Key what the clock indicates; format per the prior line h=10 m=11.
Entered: h=2 m=6
